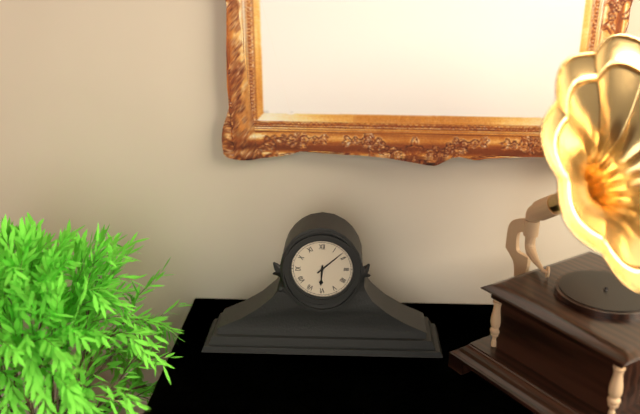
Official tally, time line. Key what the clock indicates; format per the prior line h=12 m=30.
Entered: h=6 m=8
